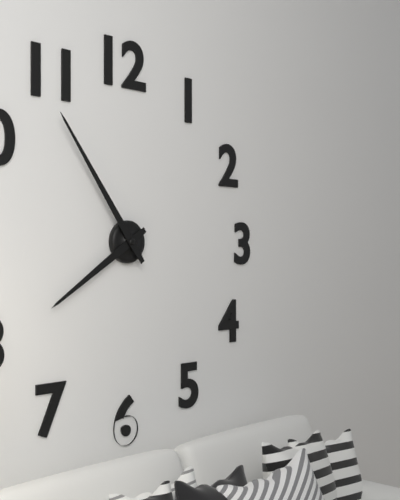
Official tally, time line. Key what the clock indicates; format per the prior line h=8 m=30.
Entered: h=7 m=54
